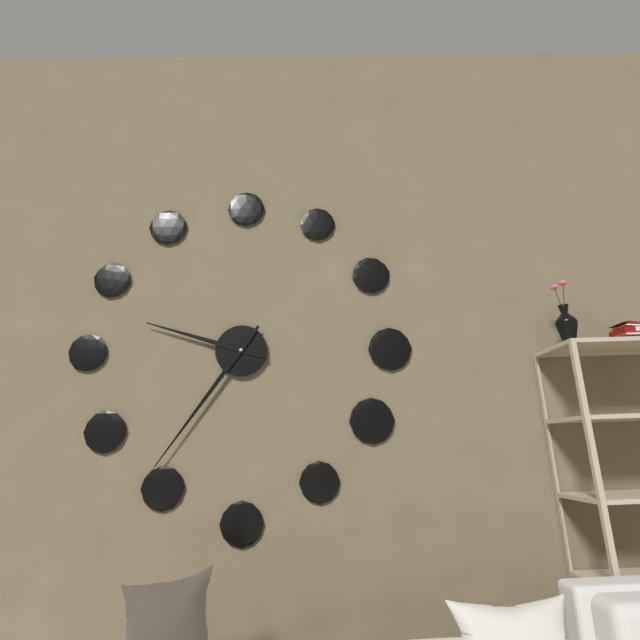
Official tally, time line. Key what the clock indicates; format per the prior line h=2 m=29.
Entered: h=9 m=36
